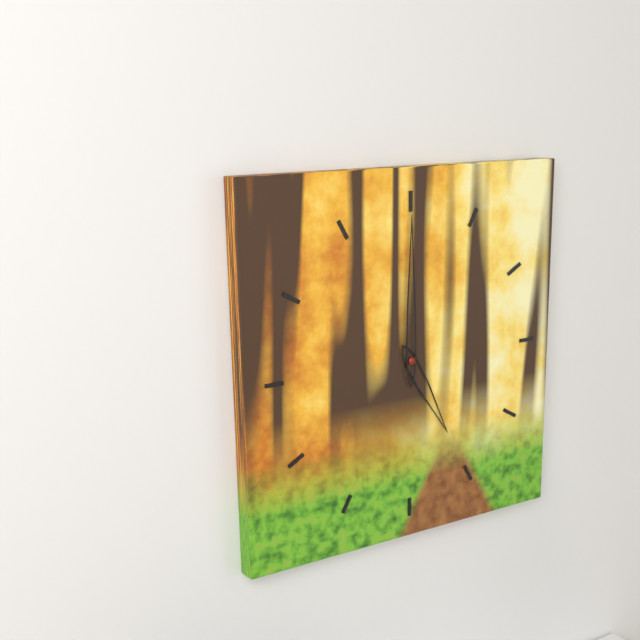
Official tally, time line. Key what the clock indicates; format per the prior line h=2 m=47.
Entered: h=5 m=0
